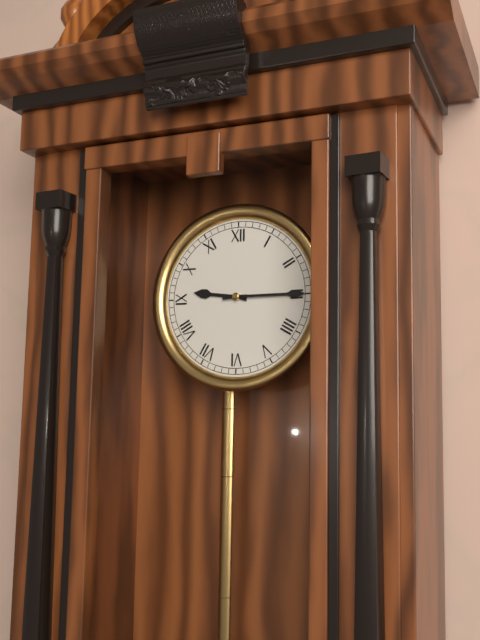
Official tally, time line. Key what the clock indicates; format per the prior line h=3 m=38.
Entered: h=9 m=15
